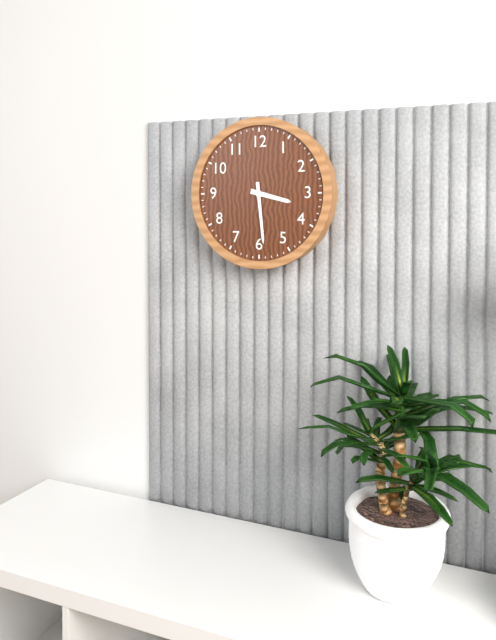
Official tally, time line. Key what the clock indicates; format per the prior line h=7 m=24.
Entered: h=3 m=29
